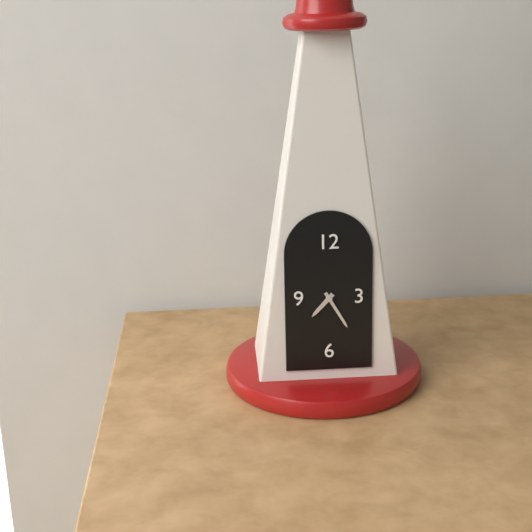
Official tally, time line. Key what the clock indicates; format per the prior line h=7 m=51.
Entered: h=7 m=25
